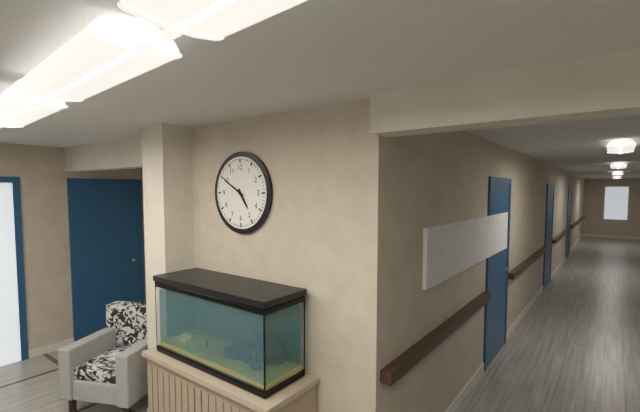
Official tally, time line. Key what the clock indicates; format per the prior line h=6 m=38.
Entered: h=4 m=50
